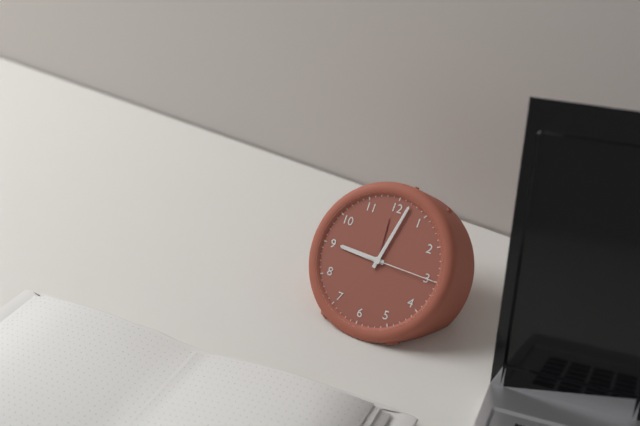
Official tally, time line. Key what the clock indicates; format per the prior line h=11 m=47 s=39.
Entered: h=9 m=2 s=15
